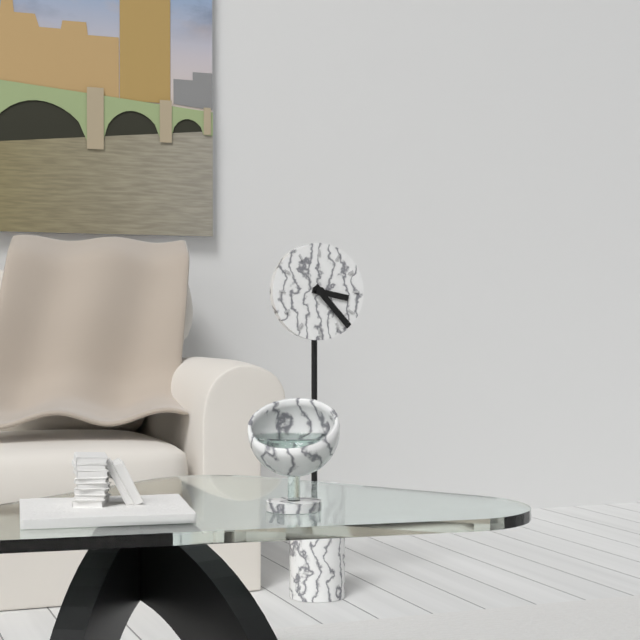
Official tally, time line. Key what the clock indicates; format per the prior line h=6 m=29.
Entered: h=3 m=23
